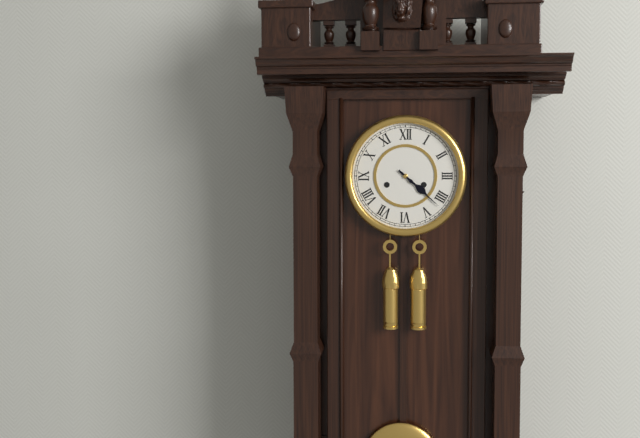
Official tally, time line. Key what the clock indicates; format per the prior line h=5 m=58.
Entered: h=4 m=22
